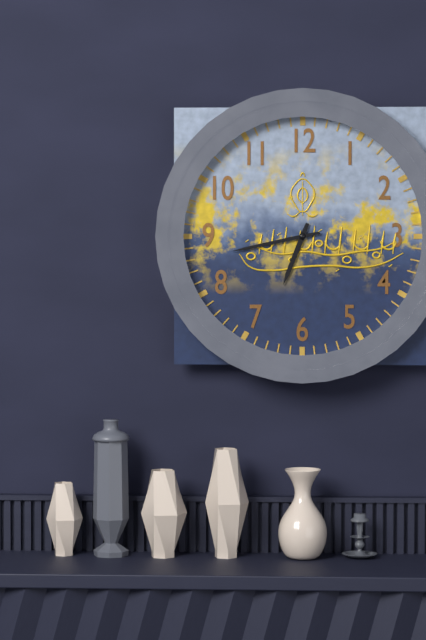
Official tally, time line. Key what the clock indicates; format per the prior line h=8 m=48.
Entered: h=6 m=43
